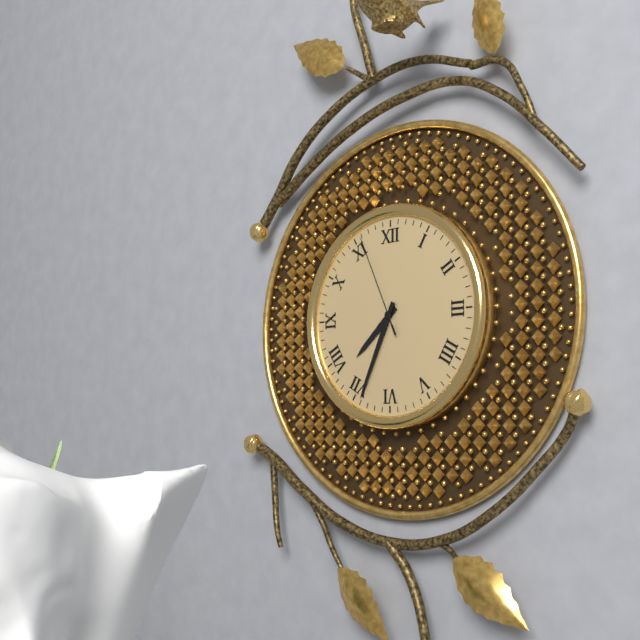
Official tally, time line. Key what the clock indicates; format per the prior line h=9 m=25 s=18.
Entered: h=7 m=34 s=56
